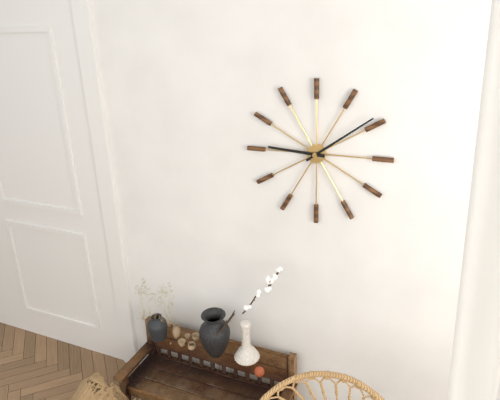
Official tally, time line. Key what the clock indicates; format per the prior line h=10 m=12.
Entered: h=9 m=9
